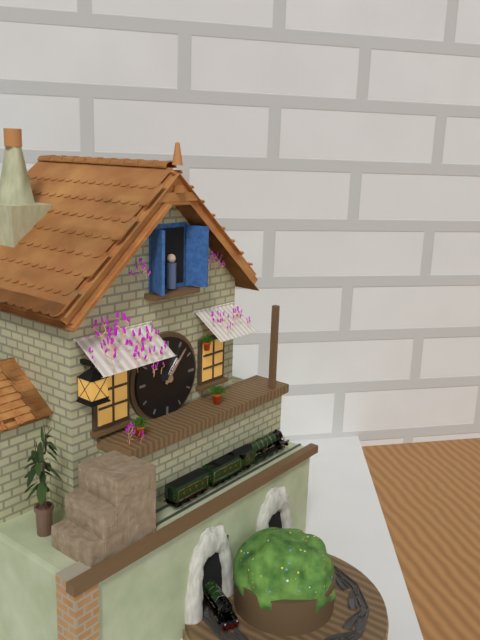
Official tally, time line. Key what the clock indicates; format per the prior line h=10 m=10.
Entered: h=1 m=7
